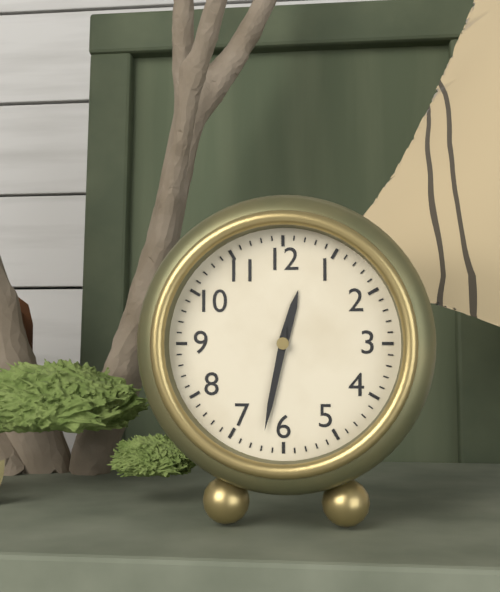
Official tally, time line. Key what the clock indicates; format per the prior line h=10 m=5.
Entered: h=12 m=32
